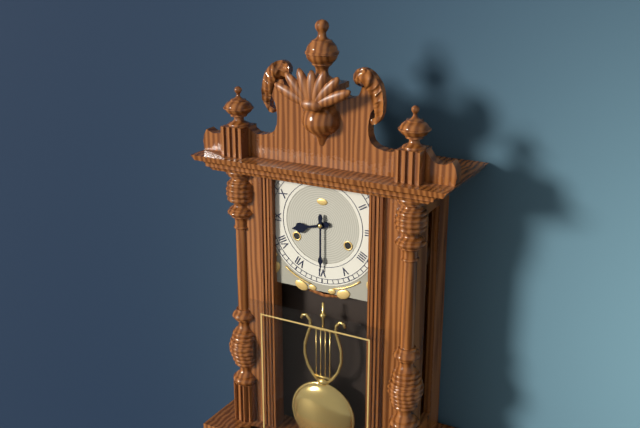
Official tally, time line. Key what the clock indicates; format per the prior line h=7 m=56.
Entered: h=8 m=30
